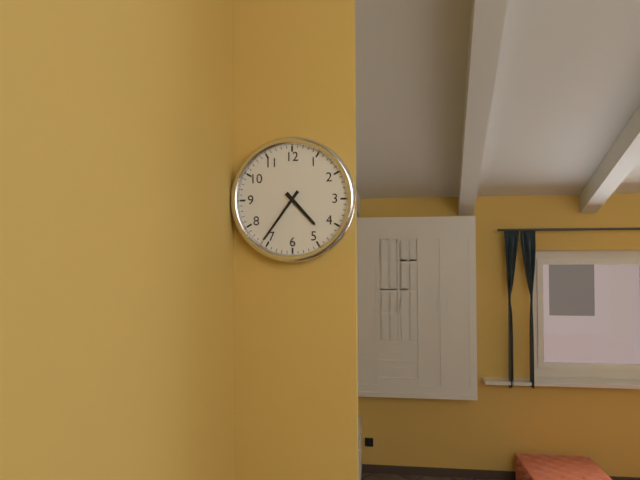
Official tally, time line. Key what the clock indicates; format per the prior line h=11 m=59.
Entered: h=4 m=36
